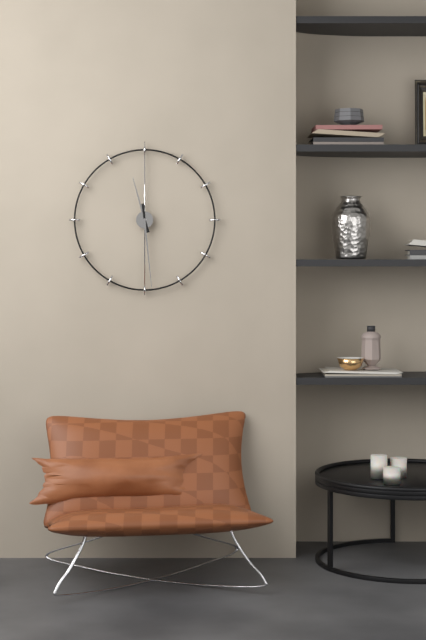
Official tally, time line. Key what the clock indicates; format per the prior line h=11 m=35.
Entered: h=11 m=29
